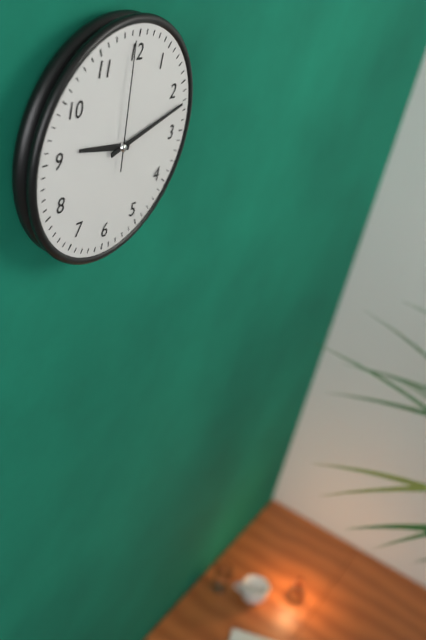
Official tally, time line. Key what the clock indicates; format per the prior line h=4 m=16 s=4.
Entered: h=9 m=12 s=59
